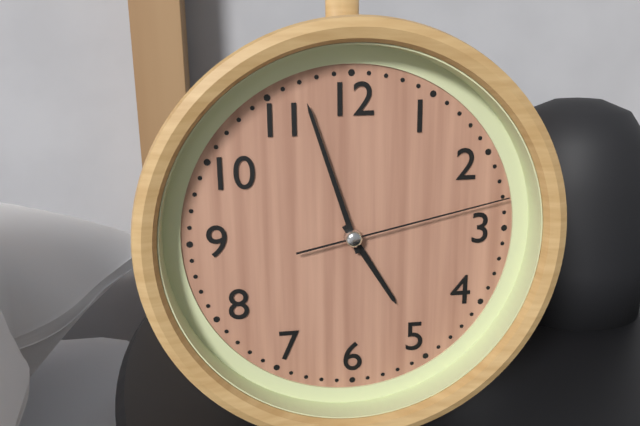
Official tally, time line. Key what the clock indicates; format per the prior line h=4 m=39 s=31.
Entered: h=4 m=57 s=13
